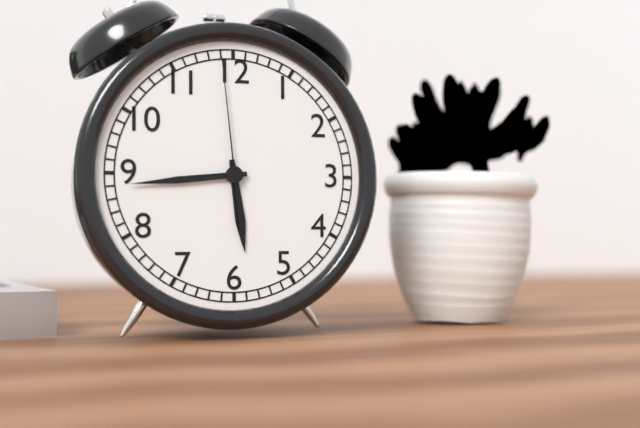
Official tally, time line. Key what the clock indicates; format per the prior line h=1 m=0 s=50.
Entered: h=5 m=44 s=59
